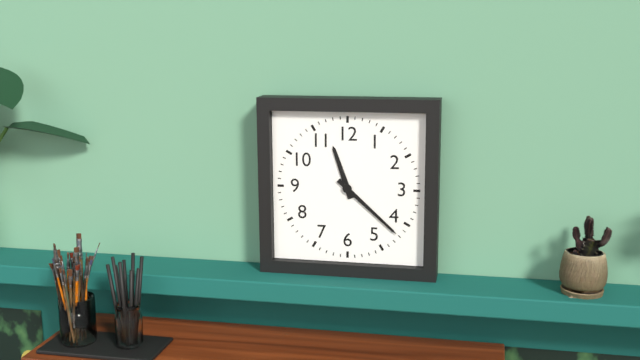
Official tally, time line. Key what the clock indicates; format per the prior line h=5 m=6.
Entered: h=11 m=22
